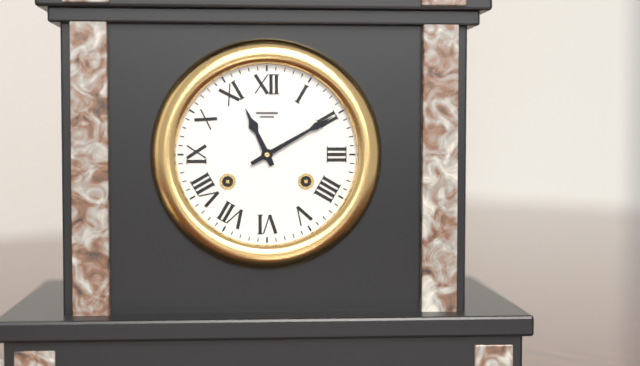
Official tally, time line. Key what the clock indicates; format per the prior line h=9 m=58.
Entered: h=11 m=10
